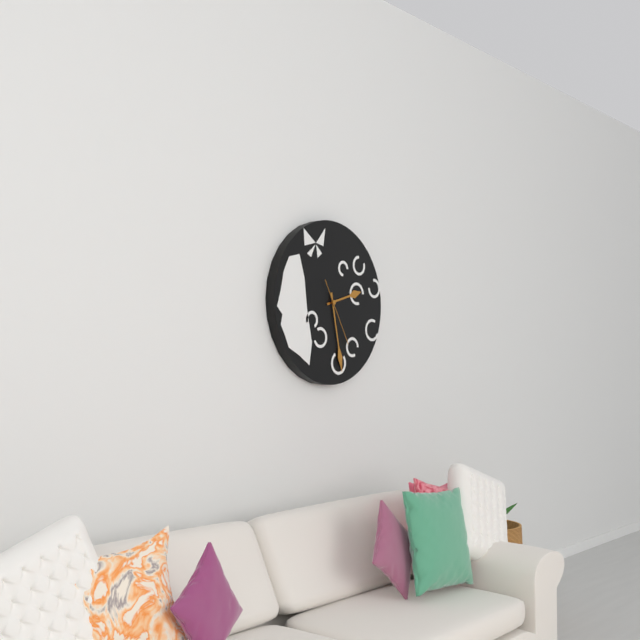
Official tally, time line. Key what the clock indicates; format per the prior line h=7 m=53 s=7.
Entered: h=2 m=28 s=25
